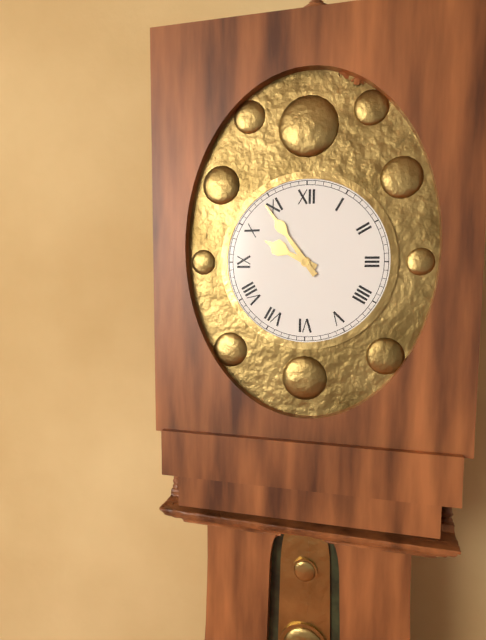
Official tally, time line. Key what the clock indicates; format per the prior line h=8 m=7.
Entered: h=9 m=54
